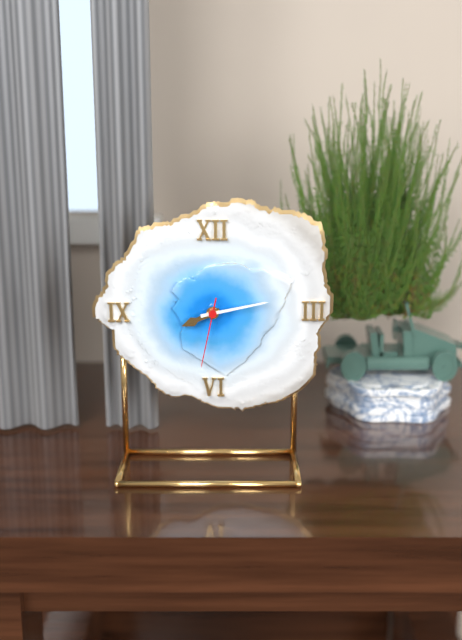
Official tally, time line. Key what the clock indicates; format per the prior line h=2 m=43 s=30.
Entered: h=8 m=13 s=32
